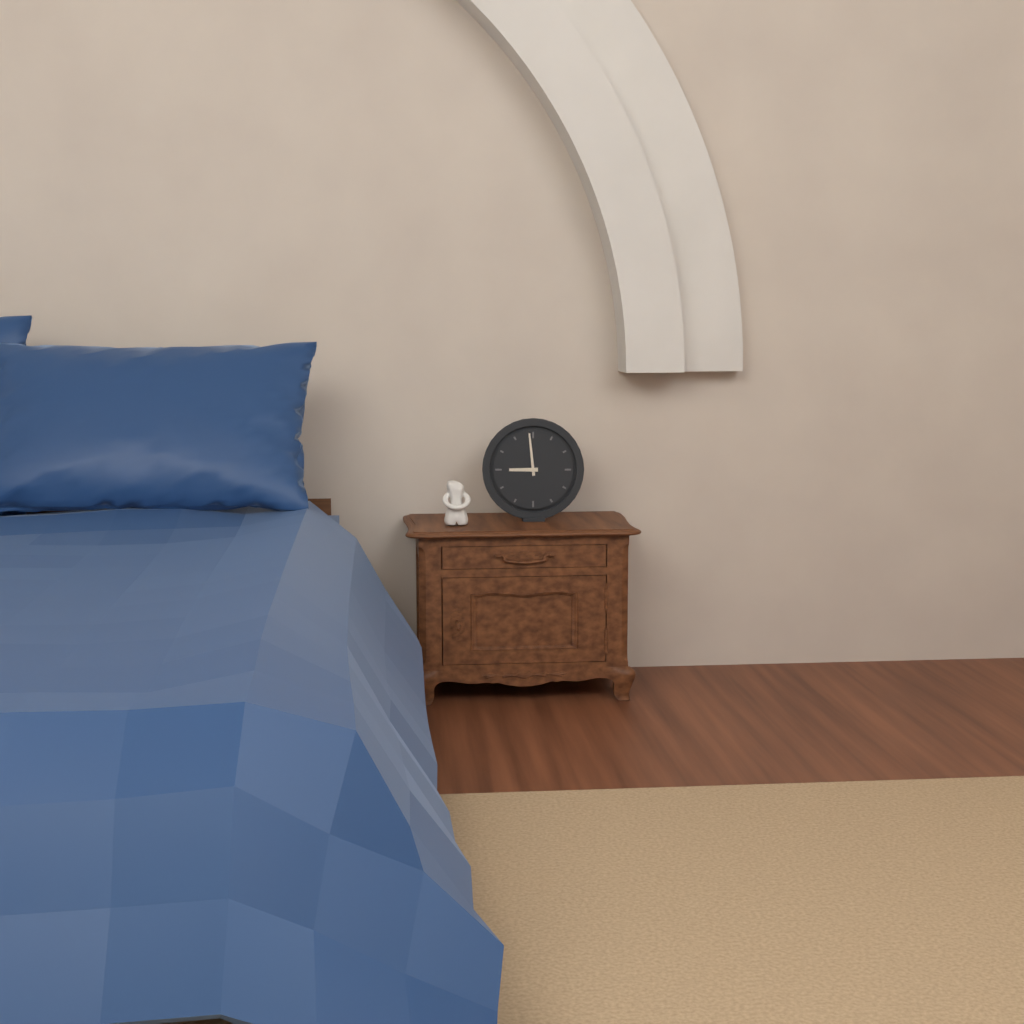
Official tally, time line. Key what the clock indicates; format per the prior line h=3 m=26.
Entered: h=8 m=59
